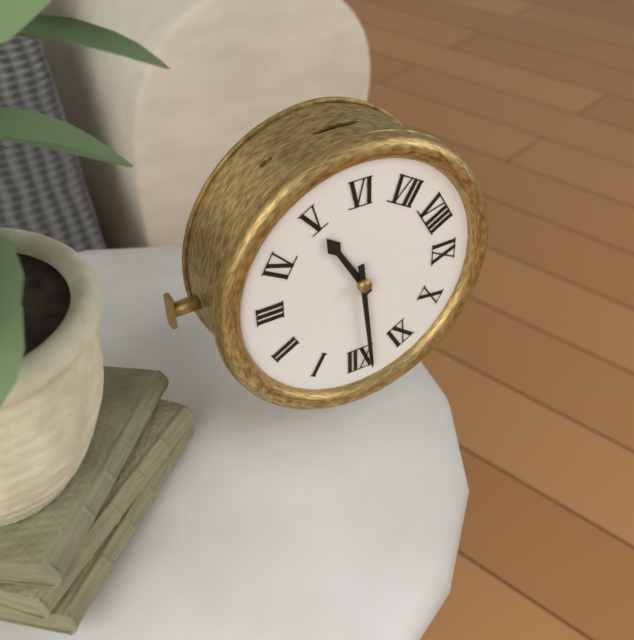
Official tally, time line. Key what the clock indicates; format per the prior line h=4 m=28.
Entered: h=4 m=59
